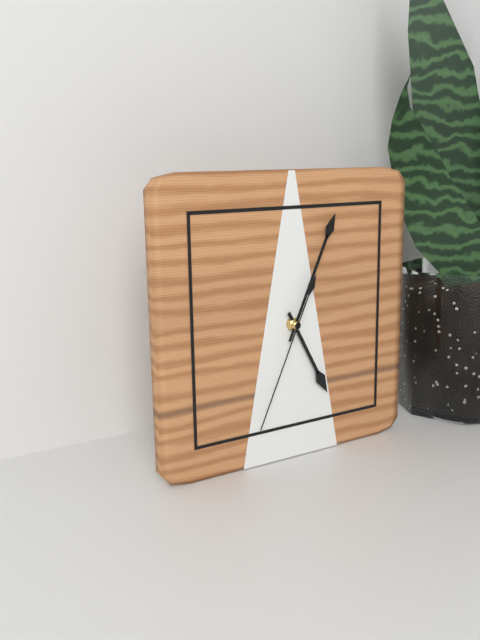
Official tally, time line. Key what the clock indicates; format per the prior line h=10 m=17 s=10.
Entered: h=5 m=4 s=34
